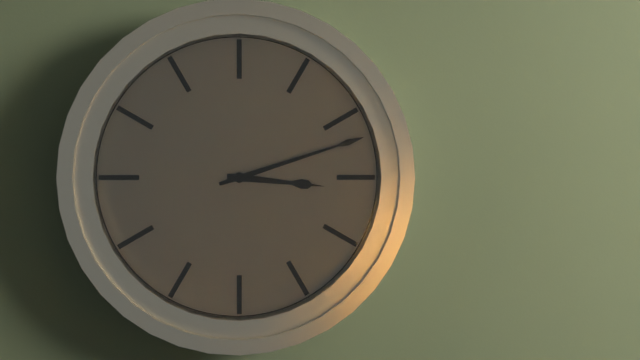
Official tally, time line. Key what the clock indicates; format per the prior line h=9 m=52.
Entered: h=3 m=12
